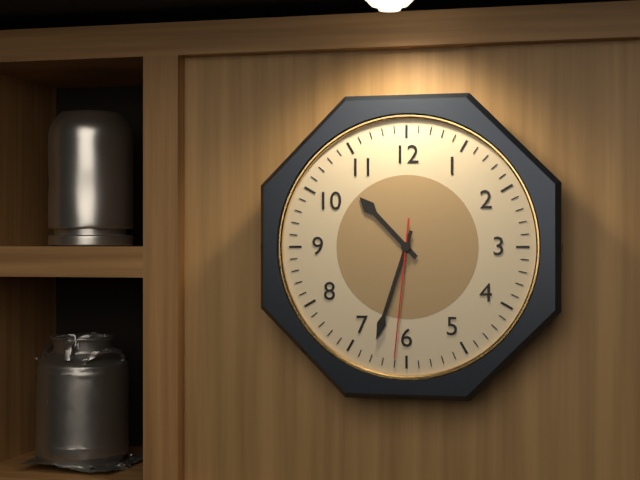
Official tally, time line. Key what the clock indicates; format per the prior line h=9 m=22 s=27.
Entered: h=10 m=33 s=31
